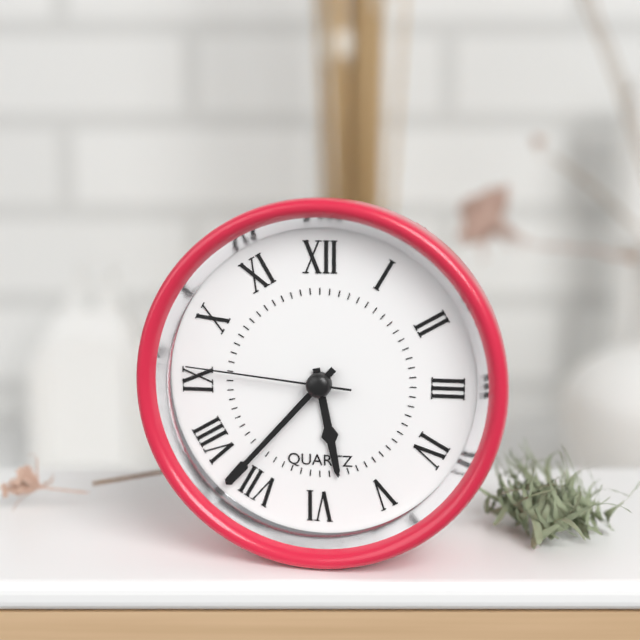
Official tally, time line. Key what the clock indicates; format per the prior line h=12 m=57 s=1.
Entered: h=5 m=37 s=46
